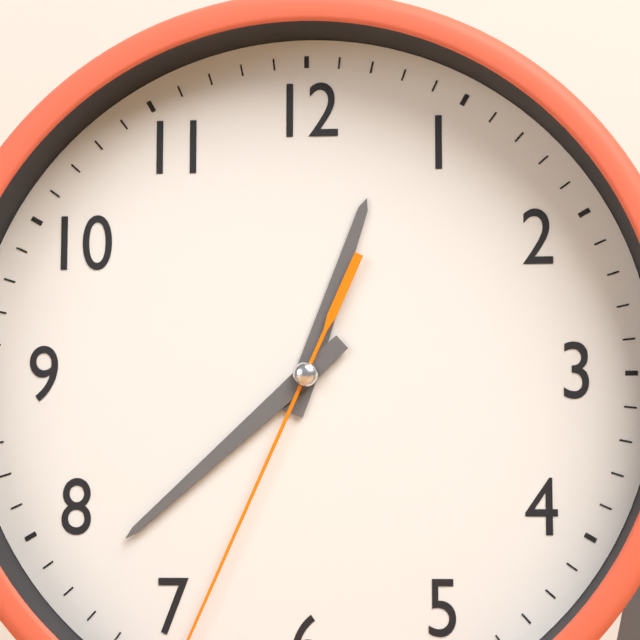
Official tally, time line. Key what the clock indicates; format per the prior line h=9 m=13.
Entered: h=12 m=38
